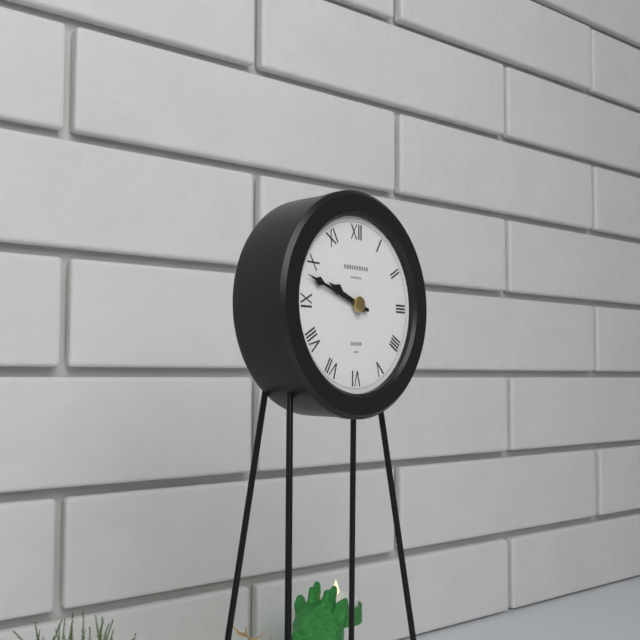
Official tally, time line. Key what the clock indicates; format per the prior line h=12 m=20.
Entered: h=9 m=48
